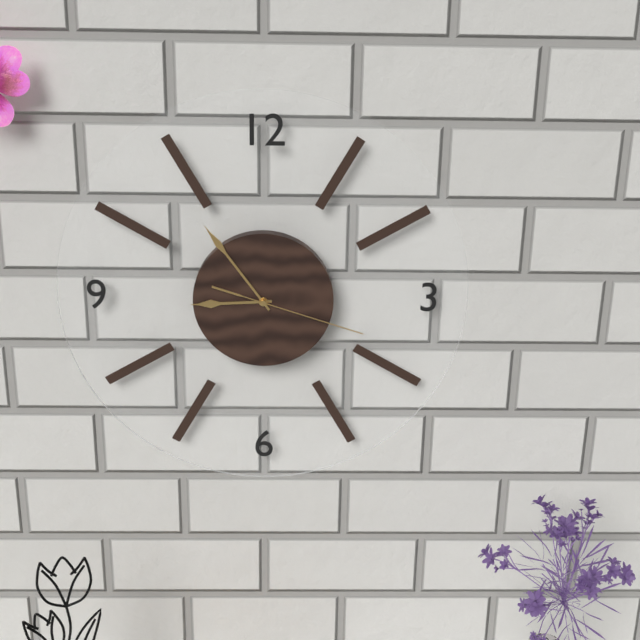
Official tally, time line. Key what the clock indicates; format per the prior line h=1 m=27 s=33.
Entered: h=8 m=54 s=18
